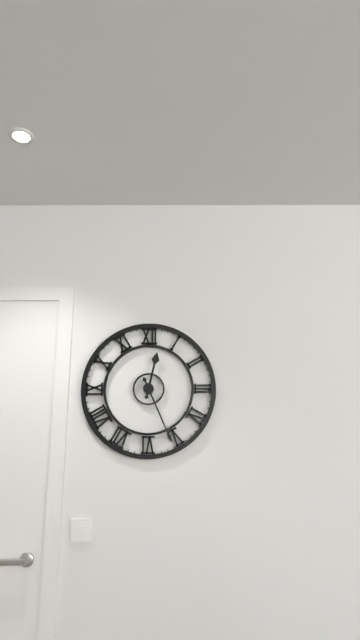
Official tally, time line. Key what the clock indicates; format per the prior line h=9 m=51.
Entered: h=12 m=26
